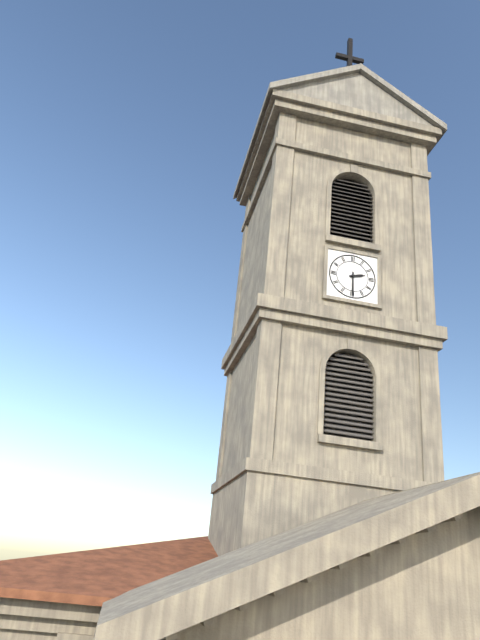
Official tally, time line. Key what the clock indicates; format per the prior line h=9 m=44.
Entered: h=2 m=30
